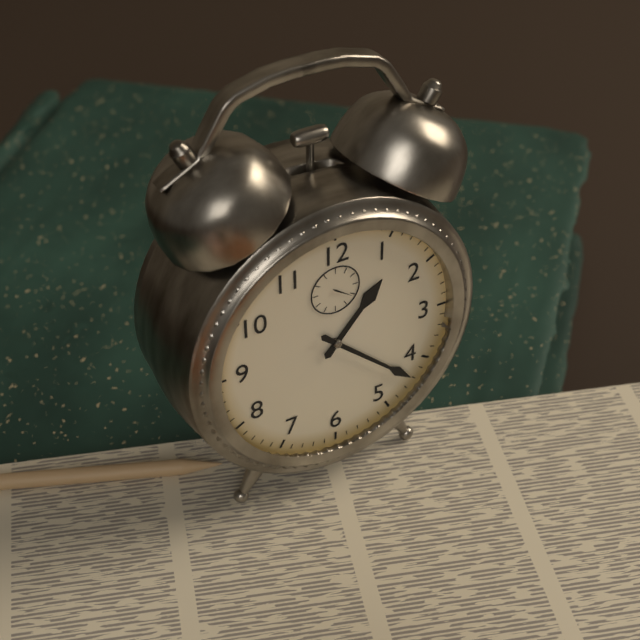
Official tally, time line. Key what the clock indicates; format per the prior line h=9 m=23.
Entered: h=1 m=22
